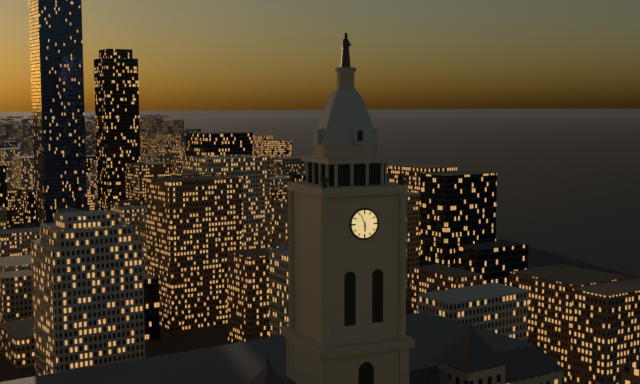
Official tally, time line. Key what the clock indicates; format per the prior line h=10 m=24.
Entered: h=5 m=56
